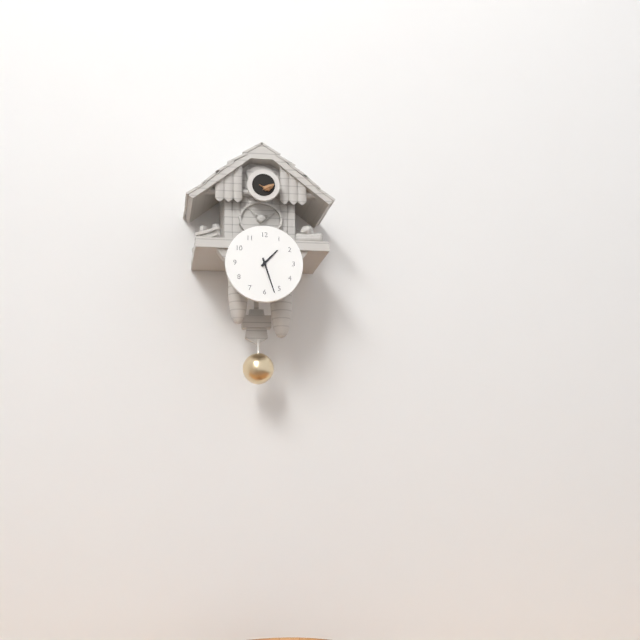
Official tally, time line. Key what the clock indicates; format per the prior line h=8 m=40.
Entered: h=1 m=27
